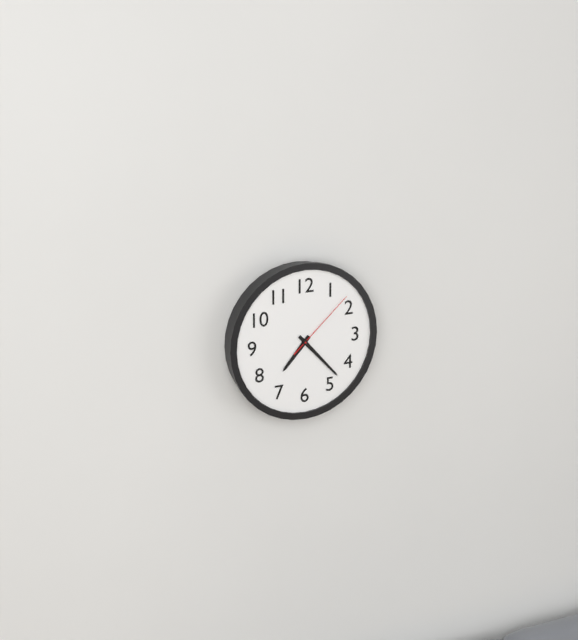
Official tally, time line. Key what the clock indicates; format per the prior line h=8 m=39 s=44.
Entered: h=7 m=23 s=8
